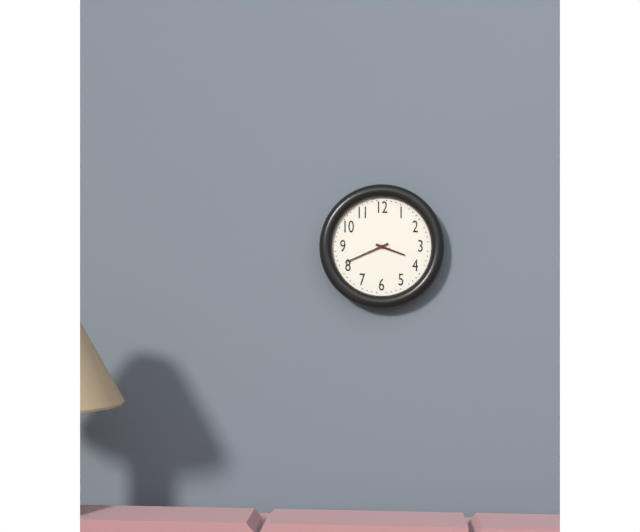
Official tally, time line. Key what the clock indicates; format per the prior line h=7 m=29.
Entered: h=3 m=41
